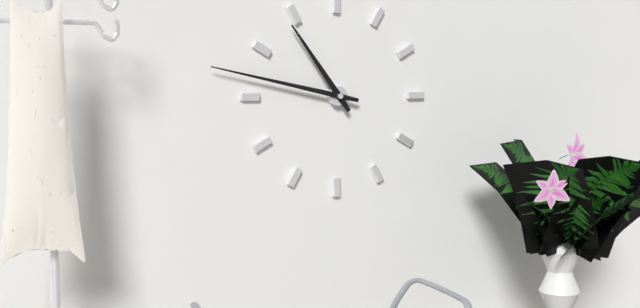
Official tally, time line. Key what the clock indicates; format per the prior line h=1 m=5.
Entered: h=10 m=47
